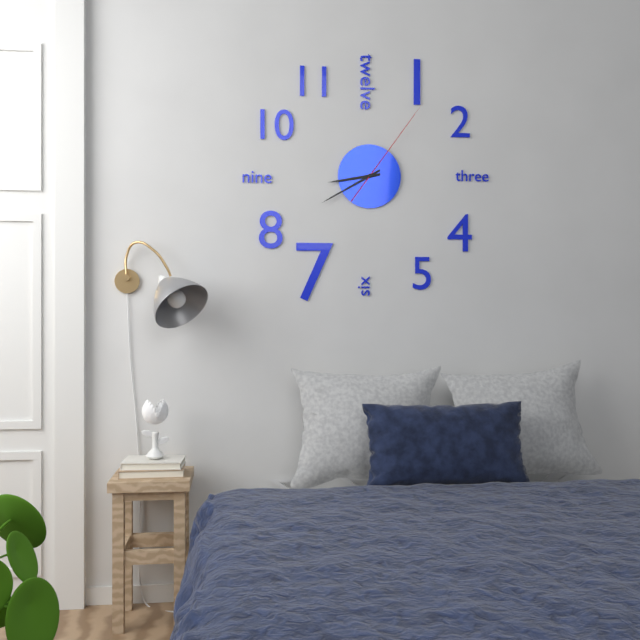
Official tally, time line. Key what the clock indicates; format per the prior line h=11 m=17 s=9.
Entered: h=8 m=40 s=6
